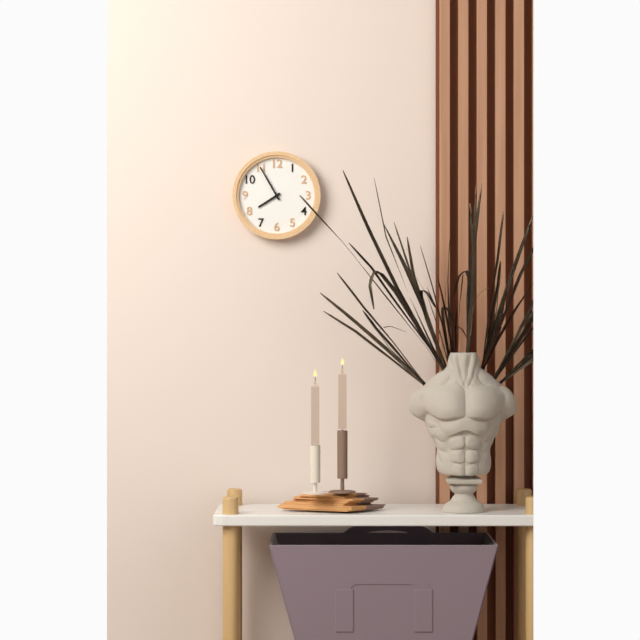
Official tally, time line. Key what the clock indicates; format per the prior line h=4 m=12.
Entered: h=7 m=55
